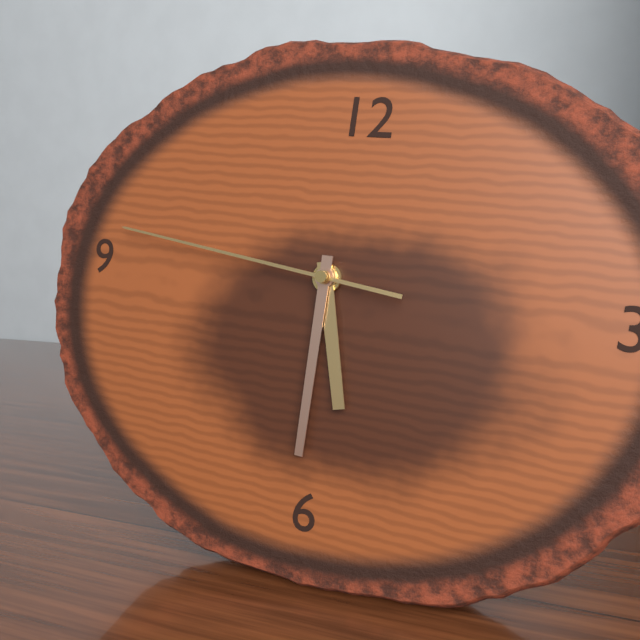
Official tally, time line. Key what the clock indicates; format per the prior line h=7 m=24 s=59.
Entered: h=5 m=30 s=46
